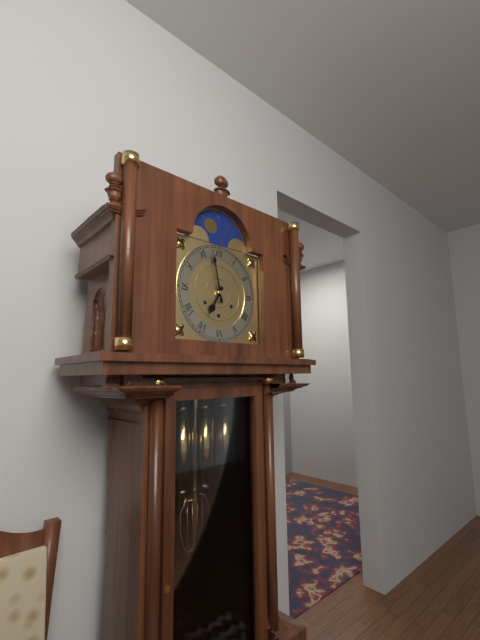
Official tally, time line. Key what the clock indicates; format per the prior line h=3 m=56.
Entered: h=6 m=58
